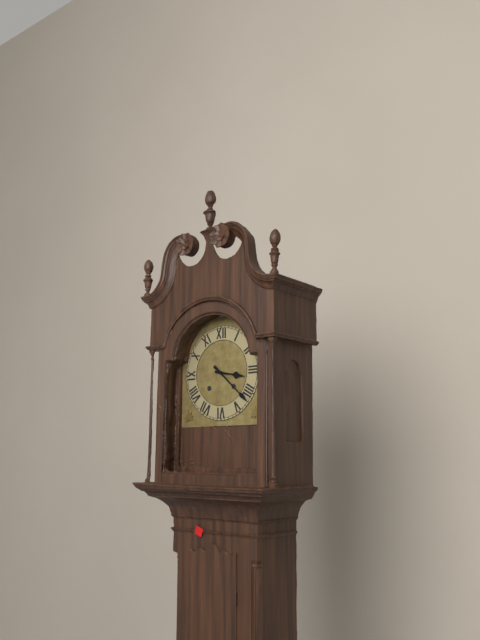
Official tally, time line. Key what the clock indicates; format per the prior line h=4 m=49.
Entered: h=3 m=22
